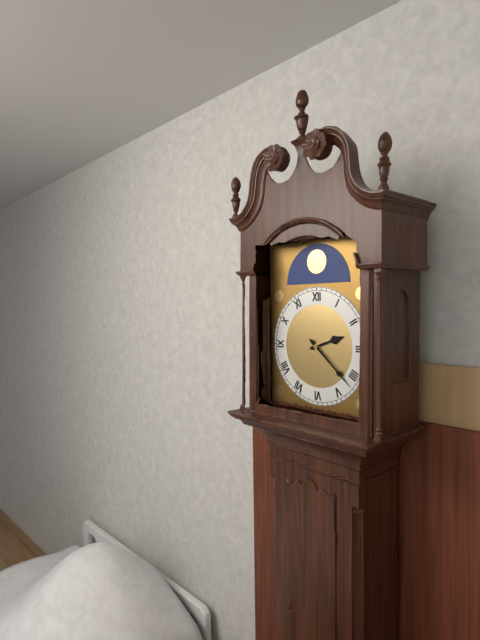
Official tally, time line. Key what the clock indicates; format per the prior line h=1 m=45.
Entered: h=2 m=22
